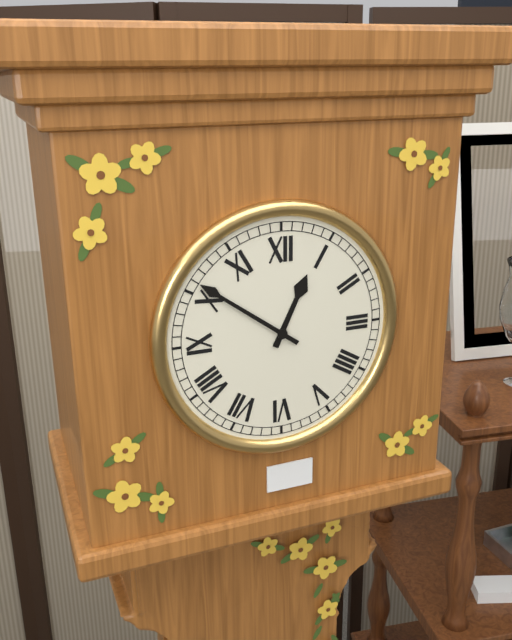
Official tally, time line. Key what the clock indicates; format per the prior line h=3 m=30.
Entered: h=12 m=51
